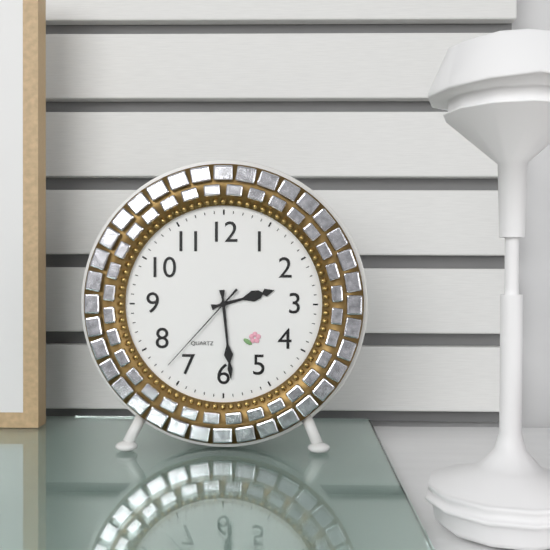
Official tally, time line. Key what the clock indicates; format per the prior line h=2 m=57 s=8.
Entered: h=2 m=29 s=37
